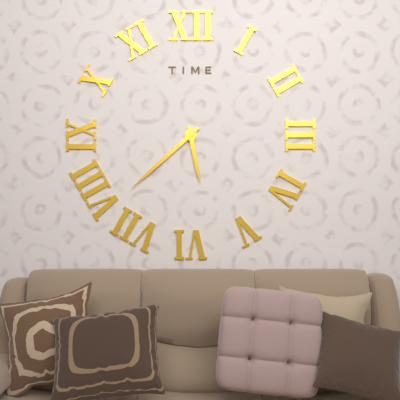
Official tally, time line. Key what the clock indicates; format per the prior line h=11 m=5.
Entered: h=5 m=38
